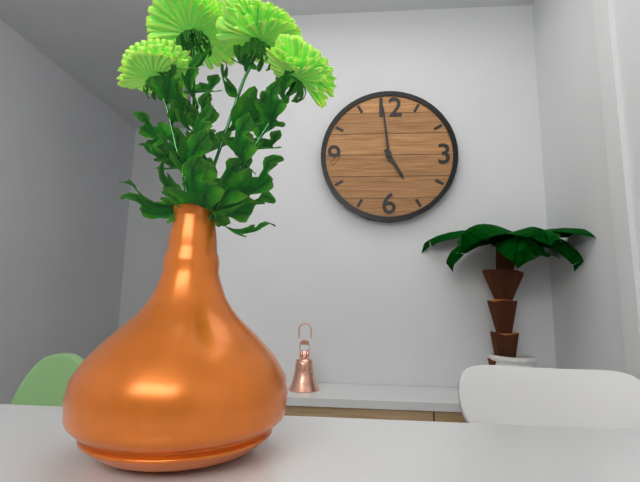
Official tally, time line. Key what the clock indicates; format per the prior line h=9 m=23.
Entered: h=4 m=59
